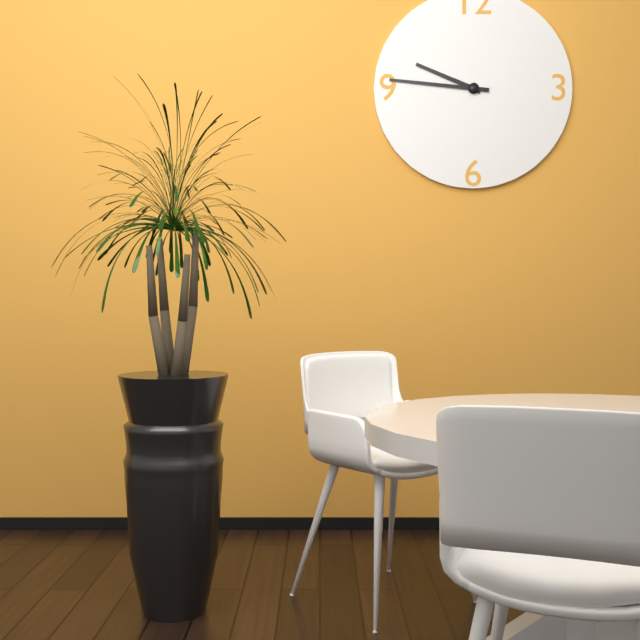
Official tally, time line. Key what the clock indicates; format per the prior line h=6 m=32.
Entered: h=9 m=46
